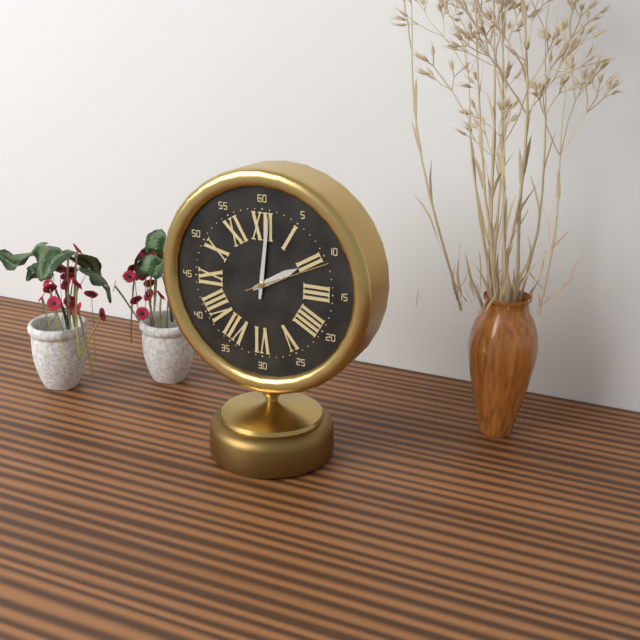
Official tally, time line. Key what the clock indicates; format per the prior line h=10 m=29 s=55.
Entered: h=2 m=1 s=11
